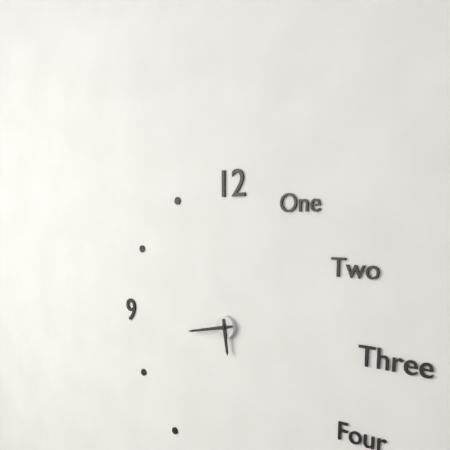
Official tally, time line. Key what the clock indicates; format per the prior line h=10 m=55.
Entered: h=5 m=43
